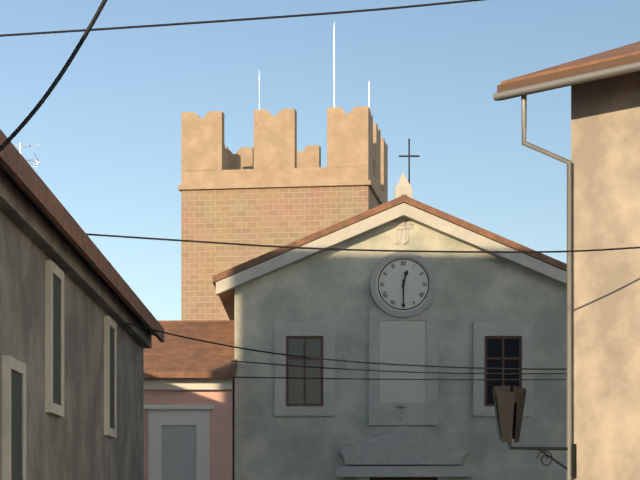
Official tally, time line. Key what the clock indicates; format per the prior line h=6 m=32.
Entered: h=12 m=30
